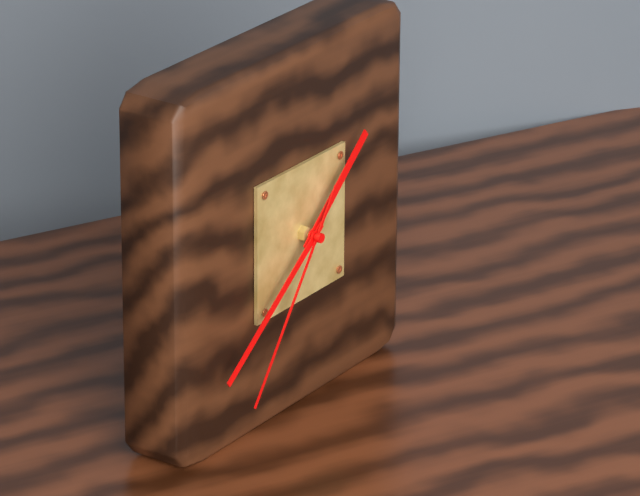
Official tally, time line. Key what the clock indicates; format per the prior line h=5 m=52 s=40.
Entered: h=1 m=39 s=36
